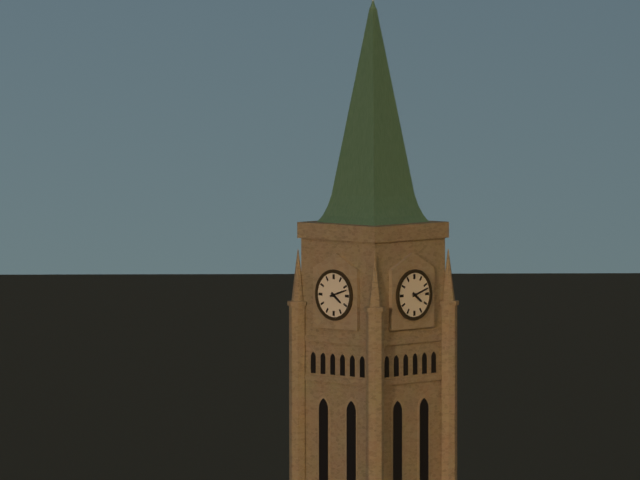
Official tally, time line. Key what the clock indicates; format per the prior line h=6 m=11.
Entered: h=4 m=12
